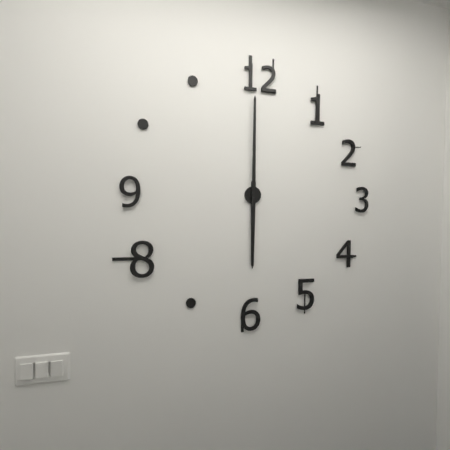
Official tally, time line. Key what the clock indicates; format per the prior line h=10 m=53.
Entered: h=6 m=0
